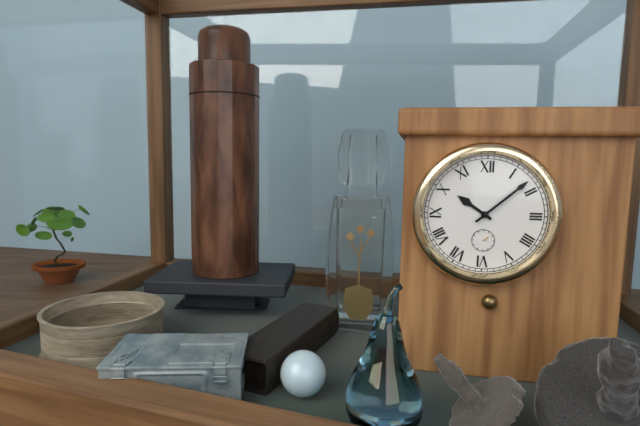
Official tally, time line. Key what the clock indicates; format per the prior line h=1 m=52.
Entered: h=10 m=8
